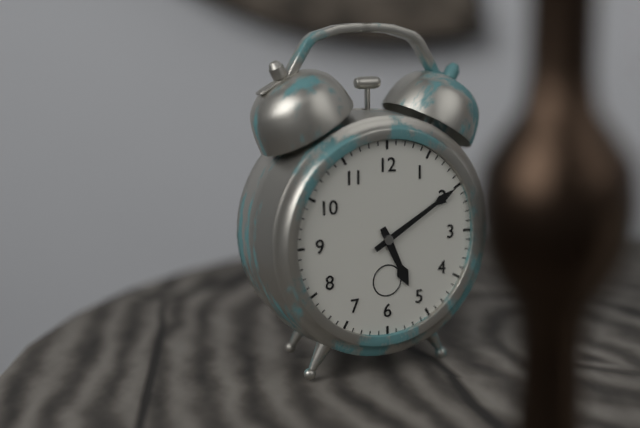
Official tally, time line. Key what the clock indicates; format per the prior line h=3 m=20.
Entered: h=5 m=10
